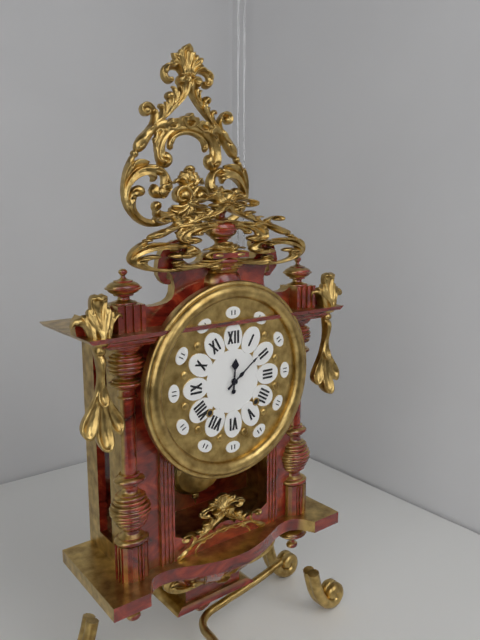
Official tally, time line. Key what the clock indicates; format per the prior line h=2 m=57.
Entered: h=12 m=9
